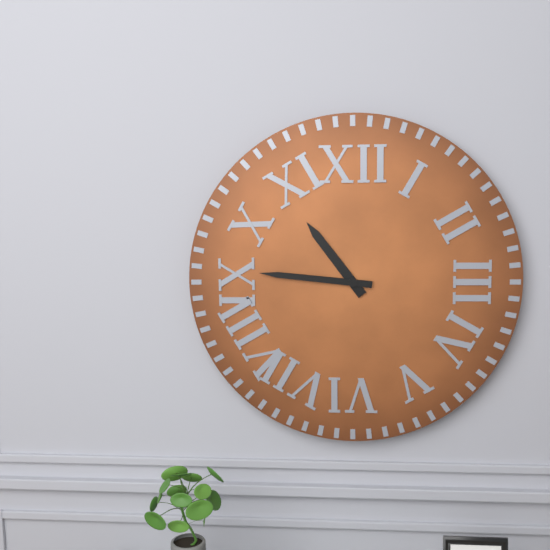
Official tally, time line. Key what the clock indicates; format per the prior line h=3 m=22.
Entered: h=10 m=46
